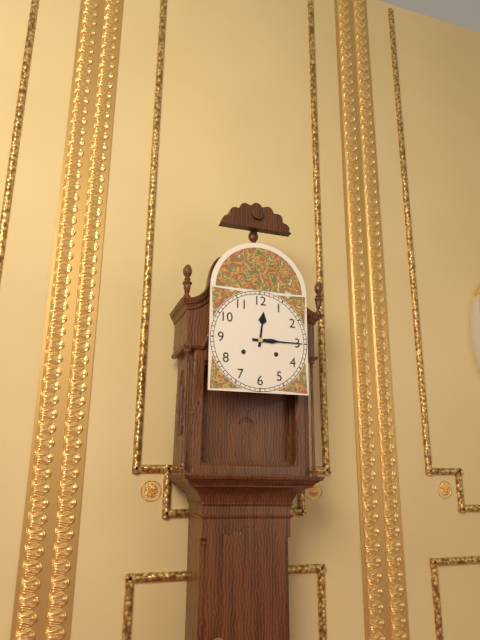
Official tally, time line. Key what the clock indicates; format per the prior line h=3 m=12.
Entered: h=12 m=15
